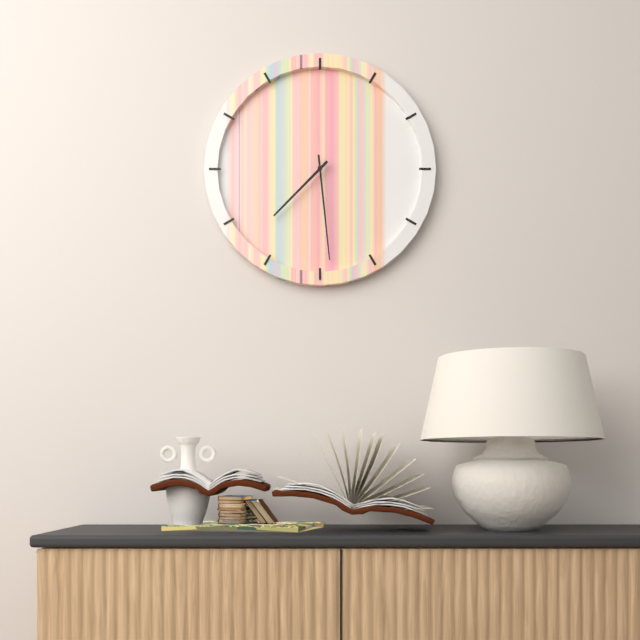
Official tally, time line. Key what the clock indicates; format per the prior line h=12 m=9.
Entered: h=7 m=29
